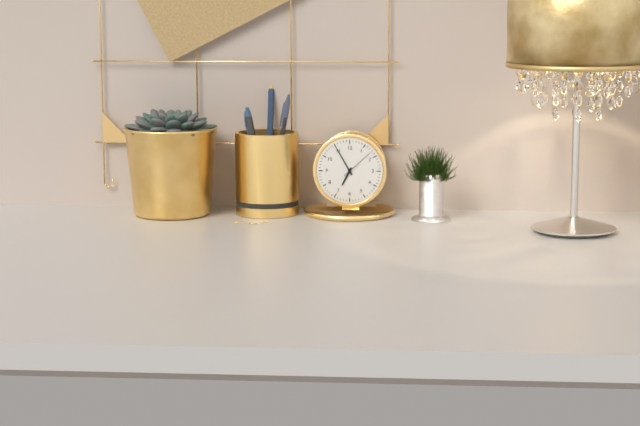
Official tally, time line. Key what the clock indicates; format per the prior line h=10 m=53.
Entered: h=6 m=55
